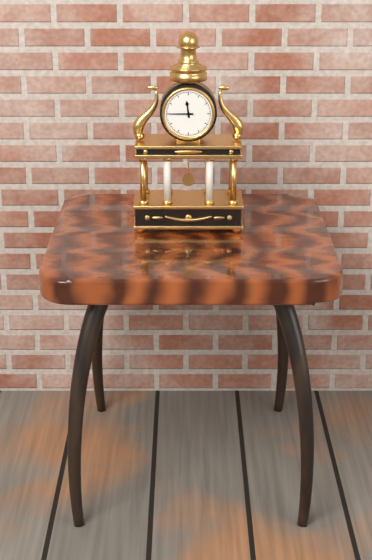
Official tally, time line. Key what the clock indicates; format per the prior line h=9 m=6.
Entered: h=11 m=45
